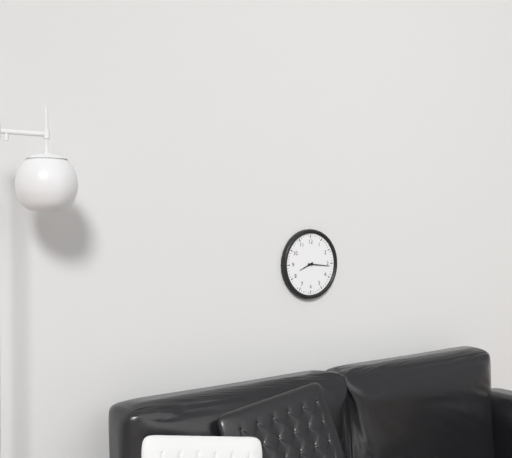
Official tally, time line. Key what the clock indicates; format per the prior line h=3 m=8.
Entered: h=8 m=16
